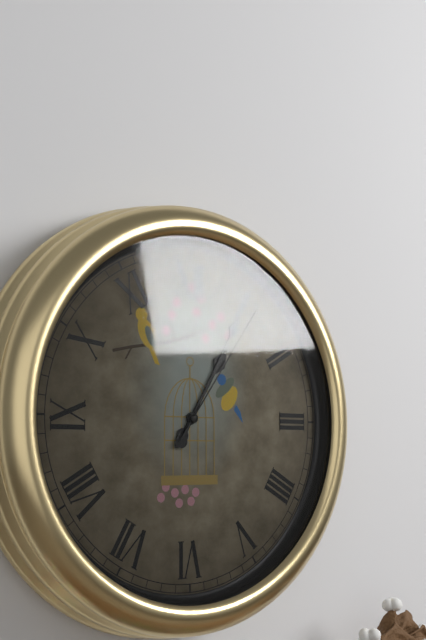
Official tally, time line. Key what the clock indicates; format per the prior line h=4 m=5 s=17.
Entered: h=1 m=5 s=6
